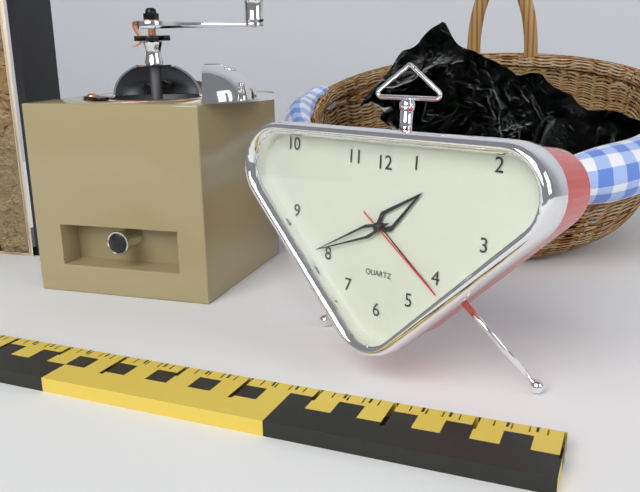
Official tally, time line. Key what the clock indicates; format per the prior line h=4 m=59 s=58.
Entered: h=1 m=41 s=21
